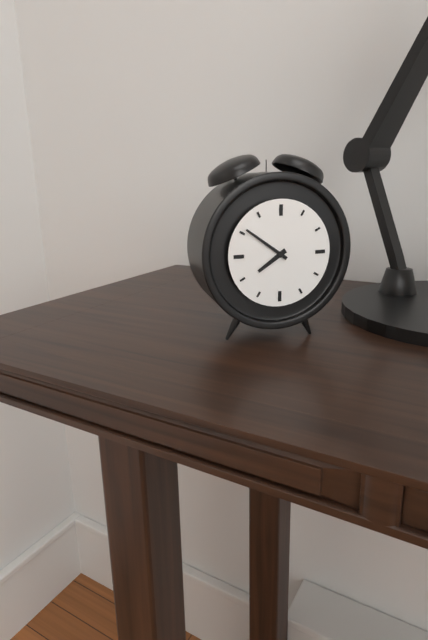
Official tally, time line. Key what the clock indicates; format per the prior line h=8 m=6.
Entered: h=7 m=51
